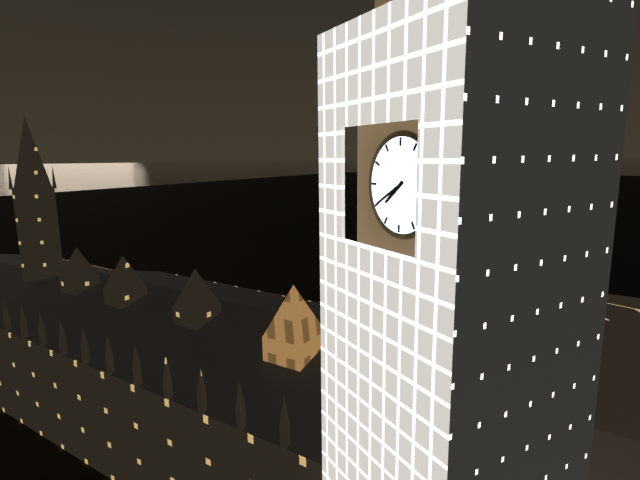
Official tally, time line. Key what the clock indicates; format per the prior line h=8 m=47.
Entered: h=7 m=40
